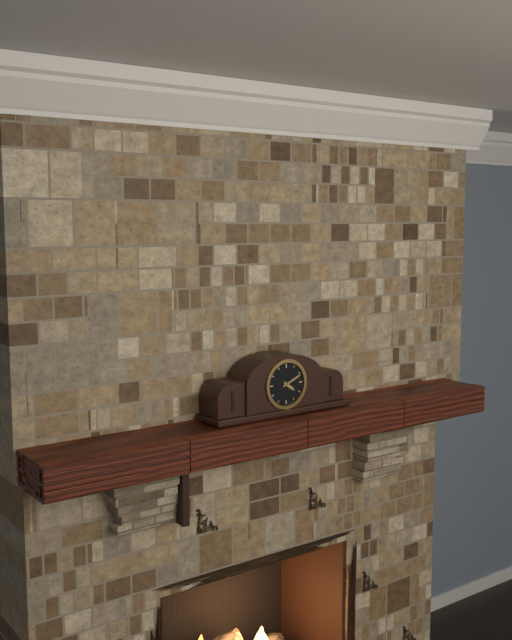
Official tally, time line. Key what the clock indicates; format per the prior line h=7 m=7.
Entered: h=4 m=11
